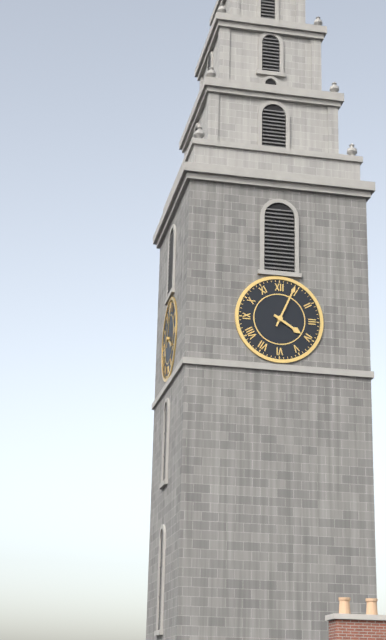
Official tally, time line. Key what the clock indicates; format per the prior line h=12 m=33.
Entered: h=4 m=4
